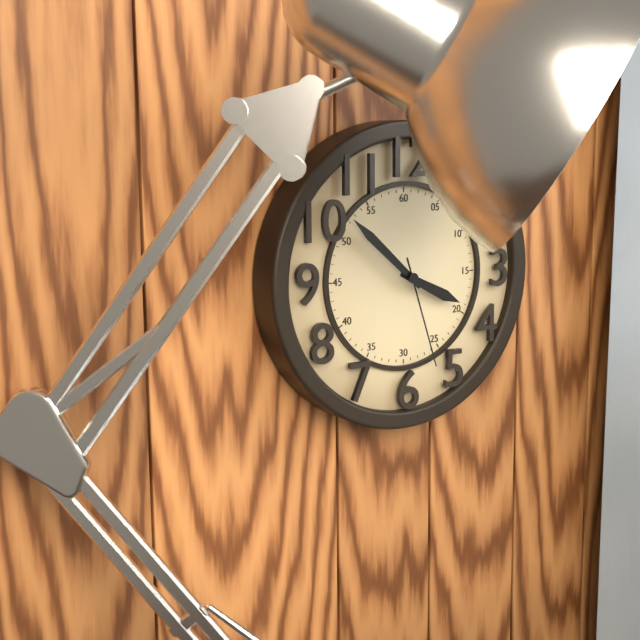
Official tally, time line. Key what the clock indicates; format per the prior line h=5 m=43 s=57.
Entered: h=3 m=52 s=27
